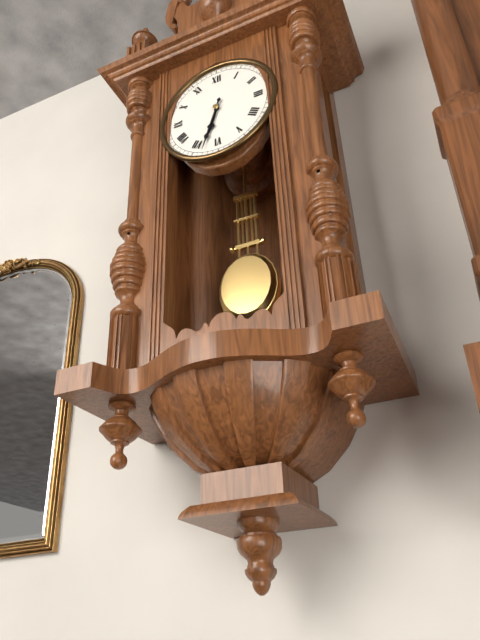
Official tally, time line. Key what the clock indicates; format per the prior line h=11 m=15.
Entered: h=6 m=33
